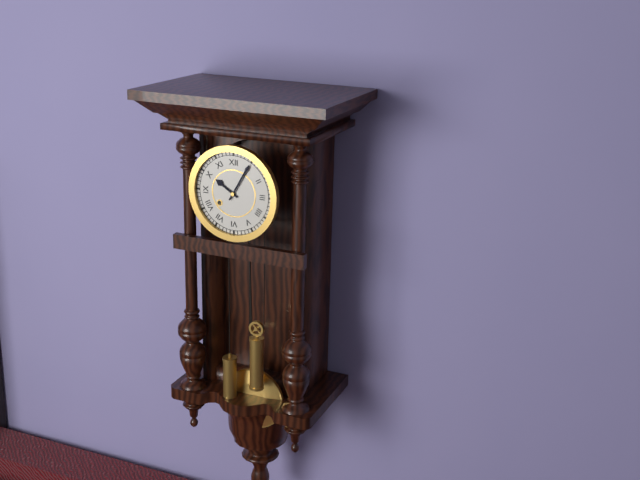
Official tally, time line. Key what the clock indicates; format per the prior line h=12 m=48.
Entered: h=10 m=5
